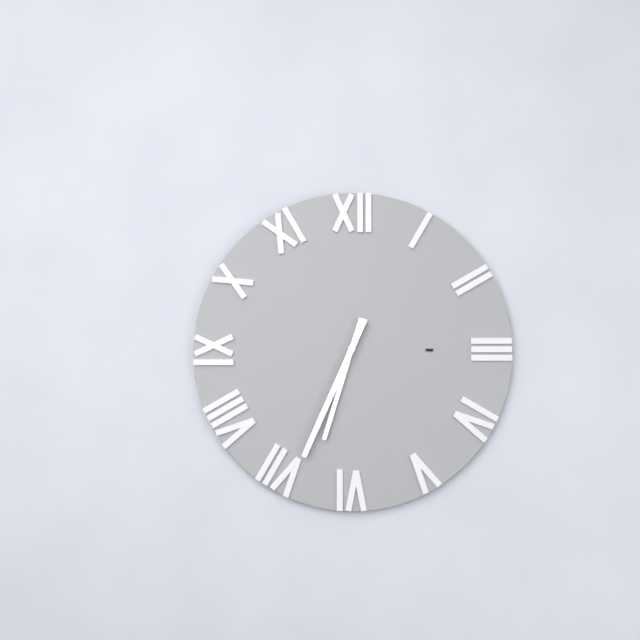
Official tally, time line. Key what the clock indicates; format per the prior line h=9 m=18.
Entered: h=6 m=34
